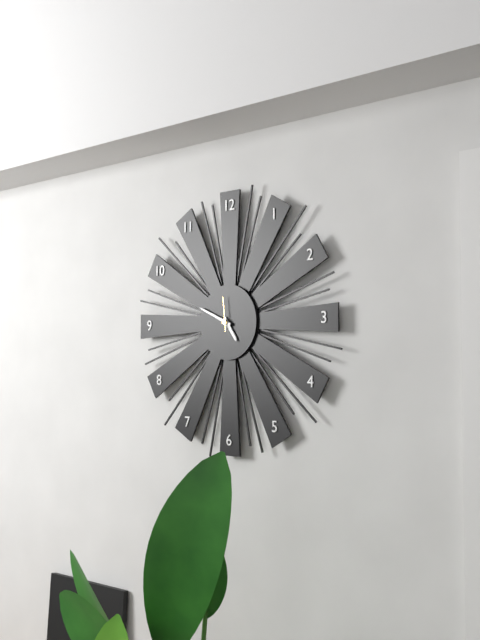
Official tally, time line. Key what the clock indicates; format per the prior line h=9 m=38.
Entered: h=4 m=49
